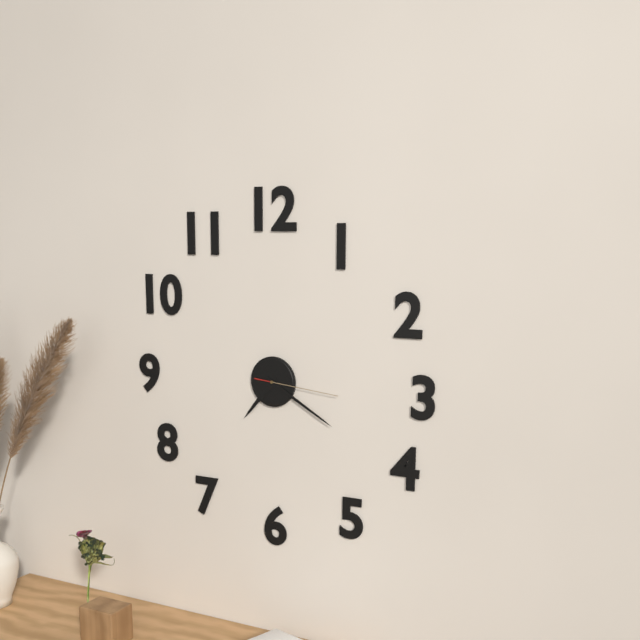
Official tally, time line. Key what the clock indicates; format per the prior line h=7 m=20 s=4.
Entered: h=7 m=20 s=16
